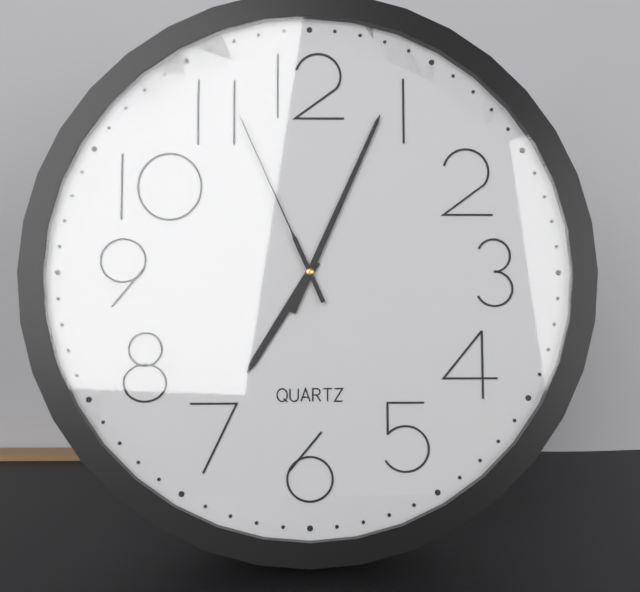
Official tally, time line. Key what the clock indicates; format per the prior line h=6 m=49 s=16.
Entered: h=7 m=4 s=56
